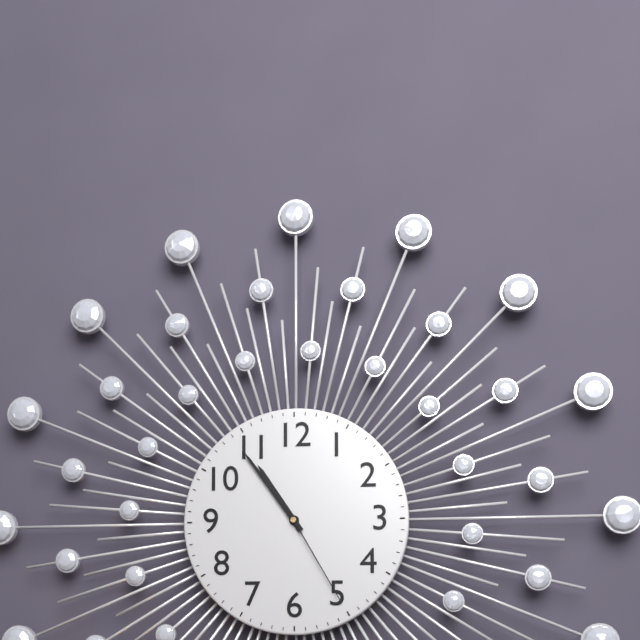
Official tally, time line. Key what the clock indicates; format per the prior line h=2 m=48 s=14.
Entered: h=10 m=54 s=25
